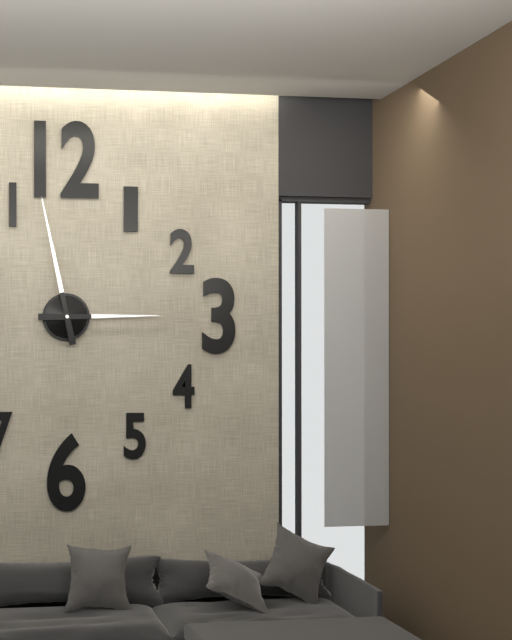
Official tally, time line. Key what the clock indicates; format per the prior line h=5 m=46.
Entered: h=2 m=58
